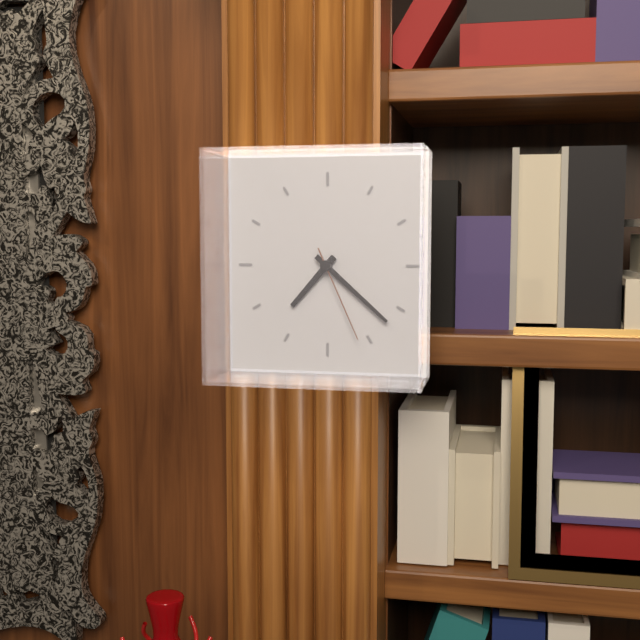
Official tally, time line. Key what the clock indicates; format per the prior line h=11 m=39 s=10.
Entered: h=7 m=22 s=26
